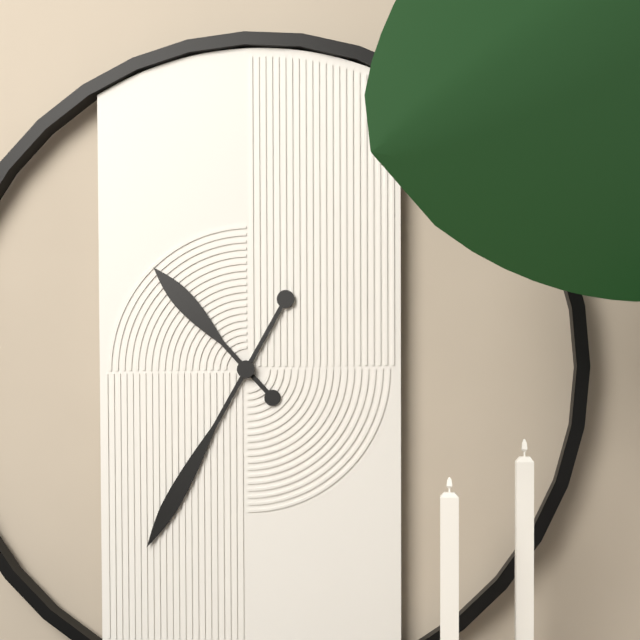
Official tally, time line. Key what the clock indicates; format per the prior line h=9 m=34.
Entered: h=10 m=35
